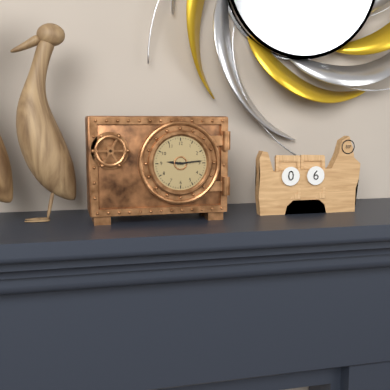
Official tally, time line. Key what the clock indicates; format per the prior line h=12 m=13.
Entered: h=9 m=14
